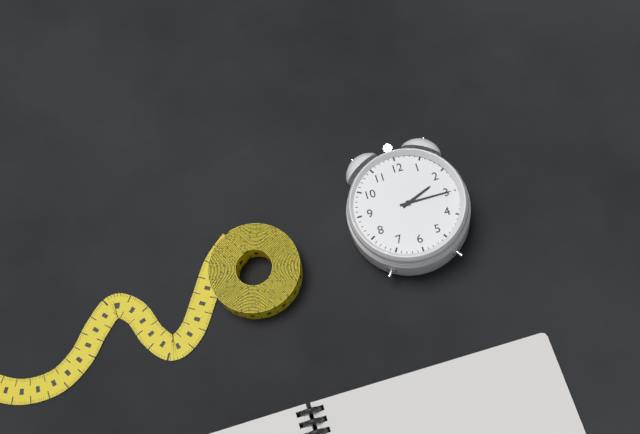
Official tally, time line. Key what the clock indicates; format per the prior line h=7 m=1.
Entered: h=2 m=15
